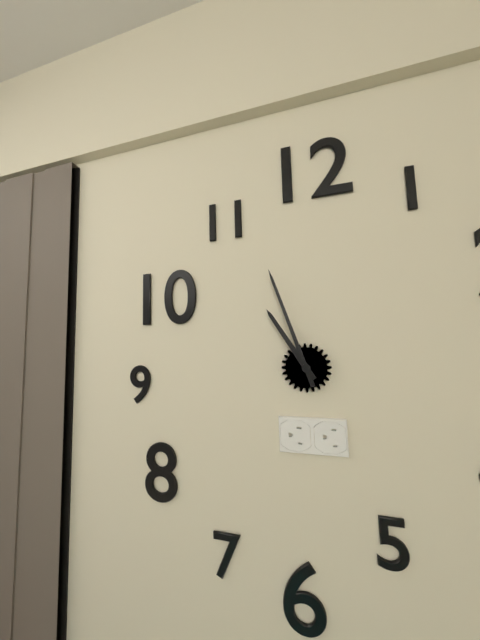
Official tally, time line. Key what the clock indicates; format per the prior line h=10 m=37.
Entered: h=10 m=57
